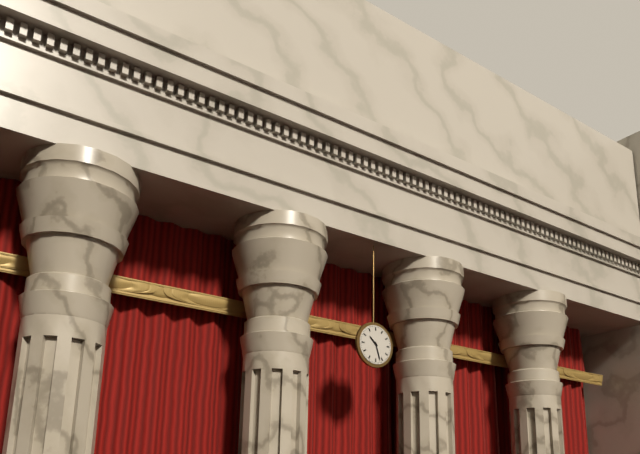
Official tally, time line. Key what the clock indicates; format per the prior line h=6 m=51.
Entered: h=10 m=27
